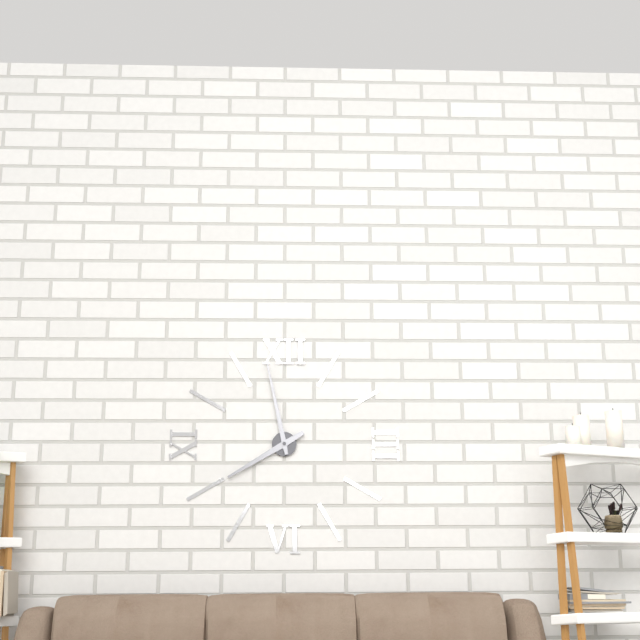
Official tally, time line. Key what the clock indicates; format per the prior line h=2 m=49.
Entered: h=7 m=58
